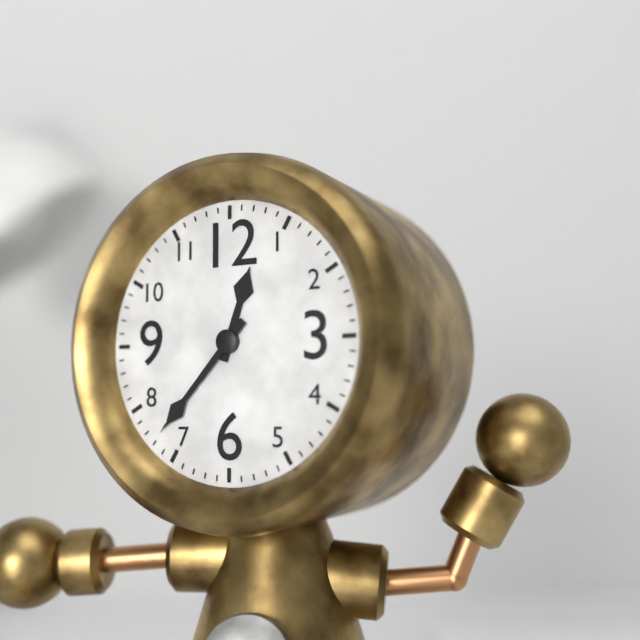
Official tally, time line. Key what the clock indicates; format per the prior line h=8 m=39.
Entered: h=12 m=37
